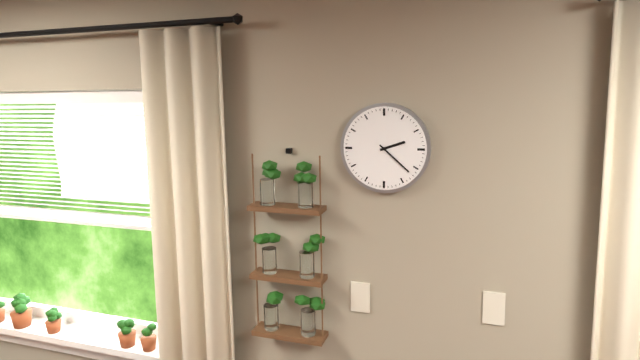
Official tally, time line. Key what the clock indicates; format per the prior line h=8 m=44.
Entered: h=2 m=22
